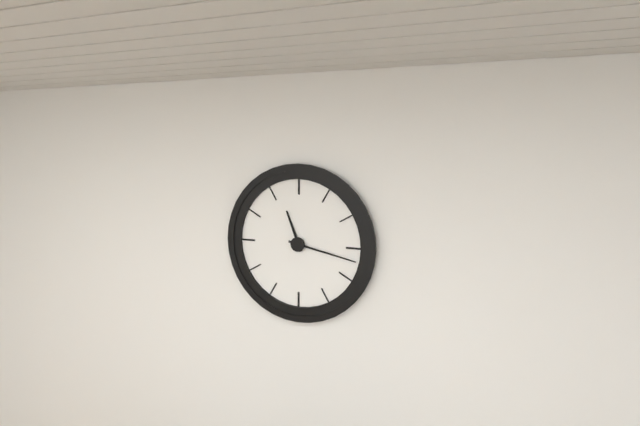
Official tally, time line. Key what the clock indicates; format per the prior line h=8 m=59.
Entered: h=11 m=17
